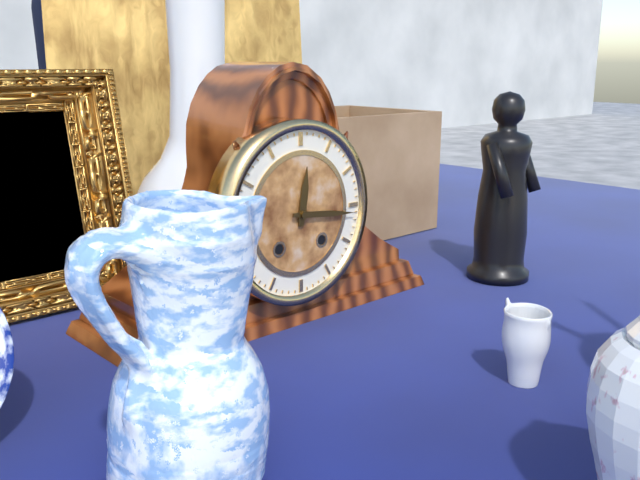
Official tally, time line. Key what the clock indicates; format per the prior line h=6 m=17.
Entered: h=12 m=16
